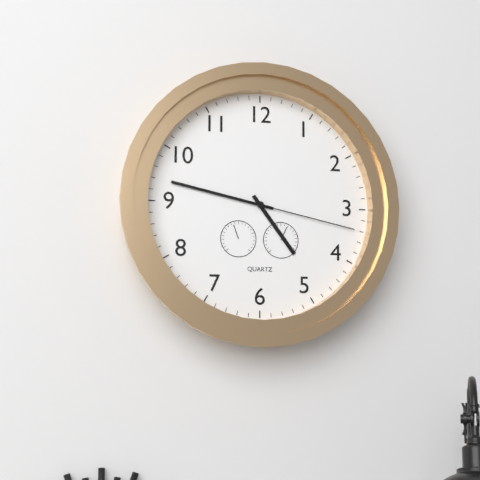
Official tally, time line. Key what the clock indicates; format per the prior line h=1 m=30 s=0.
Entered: h=4 m=47 s=17
